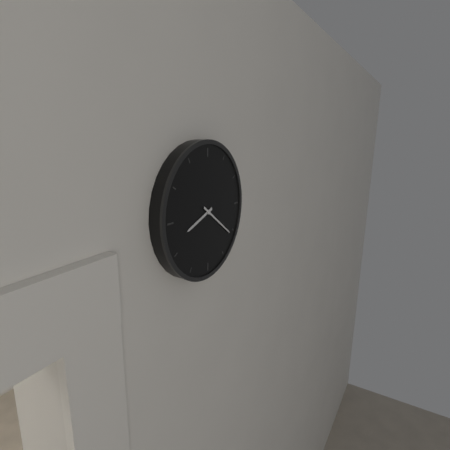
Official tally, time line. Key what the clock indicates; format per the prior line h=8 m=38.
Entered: h=8 m=21
